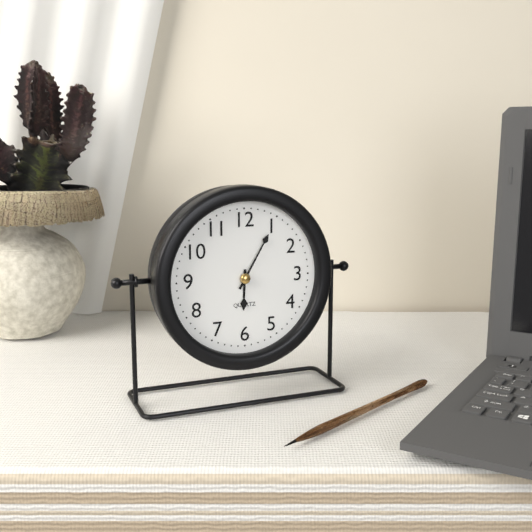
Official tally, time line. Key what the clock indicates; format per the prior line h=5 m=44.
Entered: h=6 m=5
